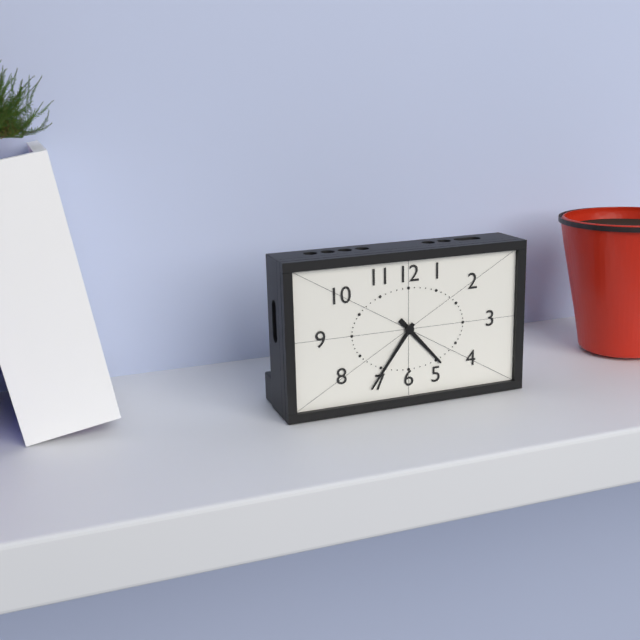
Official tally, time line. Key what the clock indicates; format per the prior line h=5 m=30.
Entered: h=4 m=36
